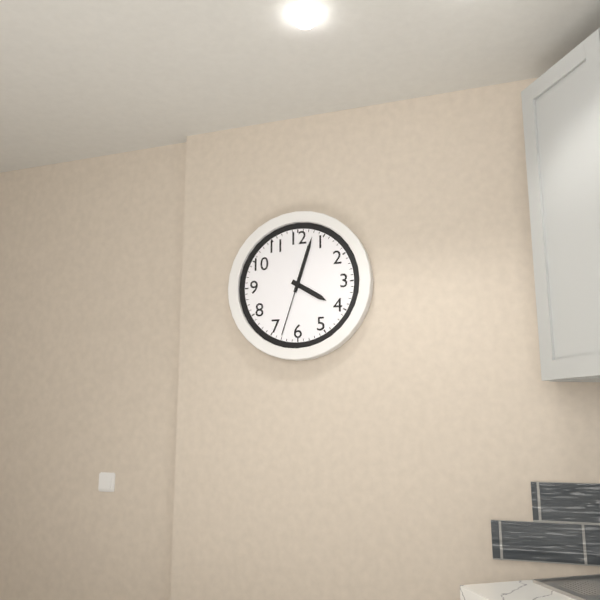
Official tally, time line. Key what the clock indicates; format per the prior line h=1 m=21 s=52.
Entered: h=4 m=3 s=33
